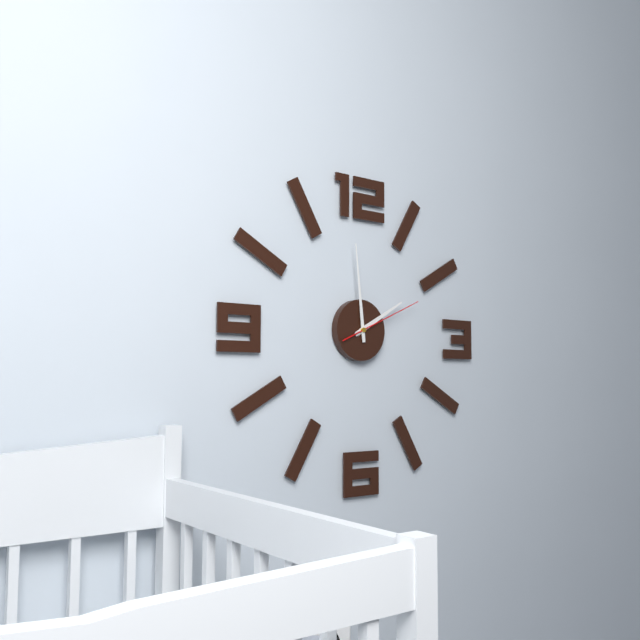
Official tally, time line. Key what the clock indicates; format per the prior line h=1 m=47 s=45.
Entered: h=1 m=59 s=11
